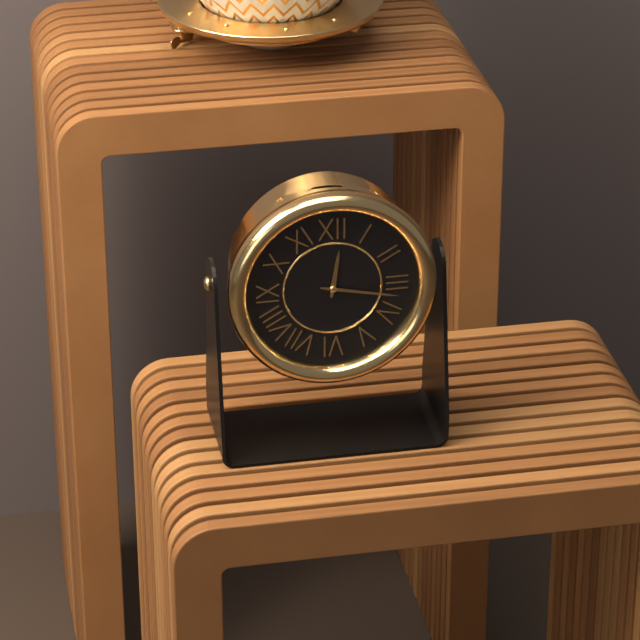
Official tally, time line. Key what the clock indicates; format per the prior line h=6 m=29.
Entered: h=12 m=17
